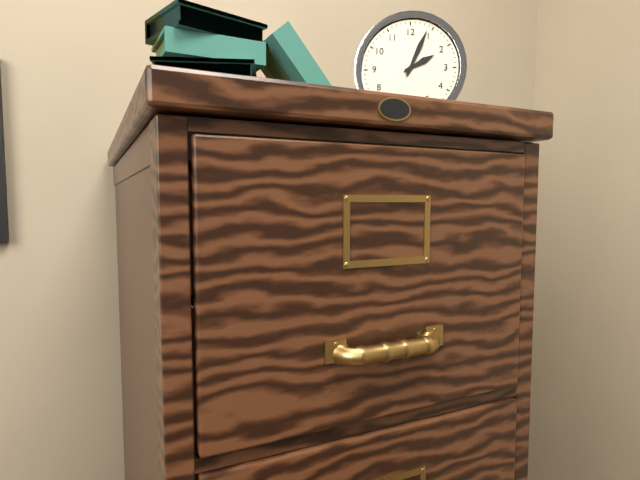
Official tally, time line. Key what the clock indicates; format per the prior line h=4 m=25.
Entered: h=2 m=4
